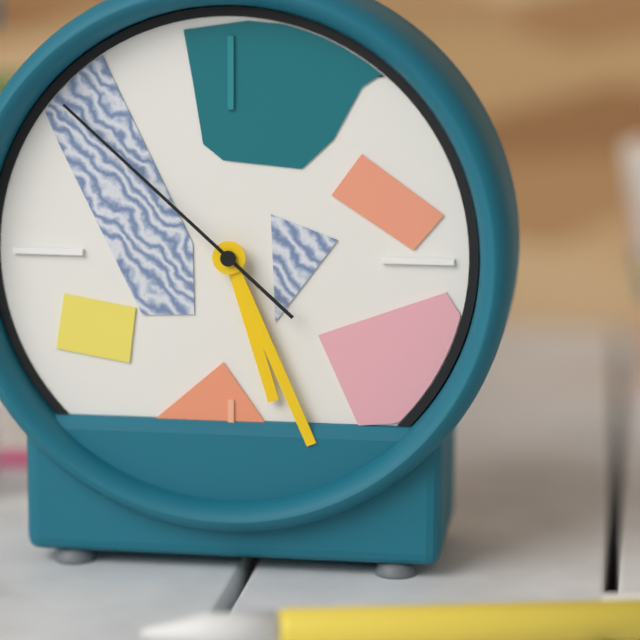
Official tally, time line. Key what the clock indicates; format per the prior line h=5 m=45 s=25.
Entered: h=5 m=26 s=52
